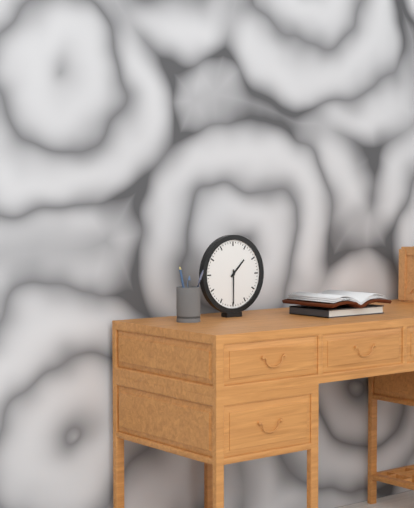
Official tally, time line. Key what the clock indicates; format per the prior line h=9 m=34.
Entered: h=1 m=30
